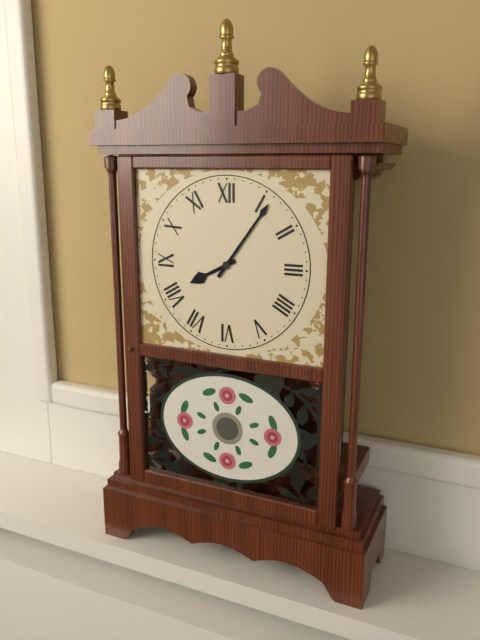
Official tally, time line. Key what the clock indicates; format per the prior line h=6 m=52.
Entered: h=8 m=6
